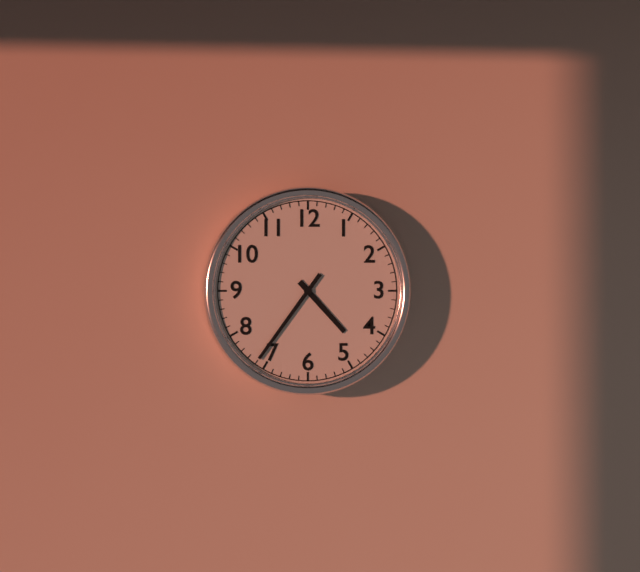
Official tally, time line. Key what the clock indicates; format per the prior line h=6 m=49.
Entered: h=4 m=36
